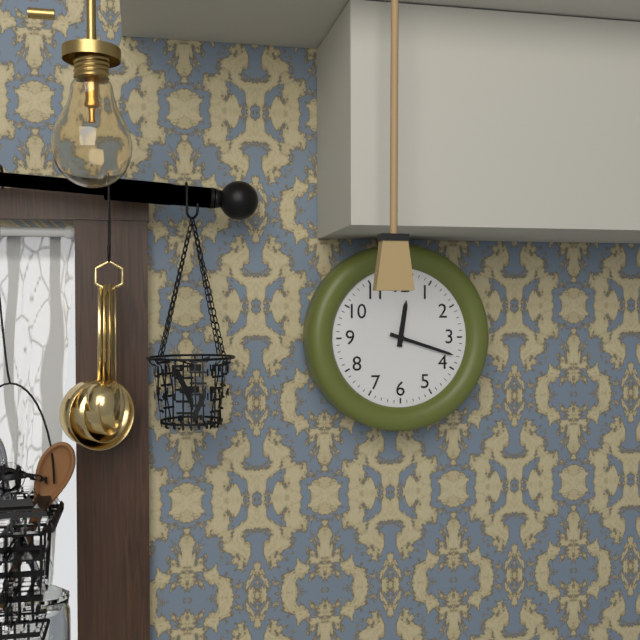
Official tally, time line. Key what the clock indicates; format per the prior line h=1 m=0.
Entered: h=12 m=18
